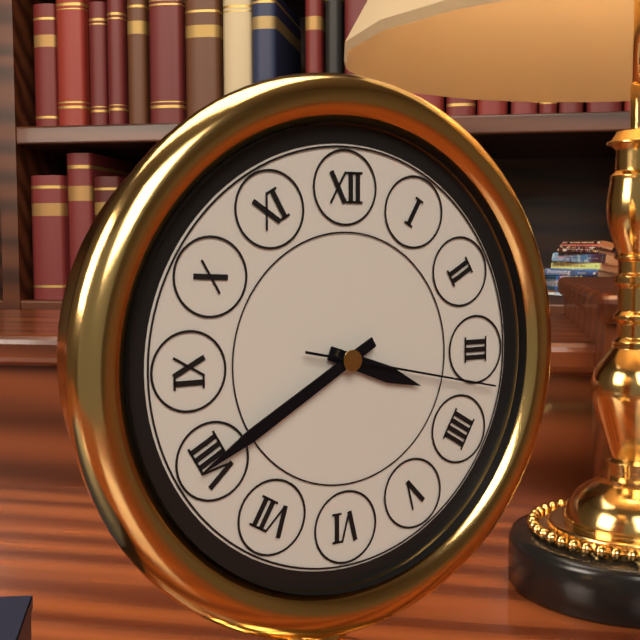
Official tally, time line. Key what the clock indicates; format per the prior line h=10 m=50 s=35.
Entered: h=3 m=40 s=17
